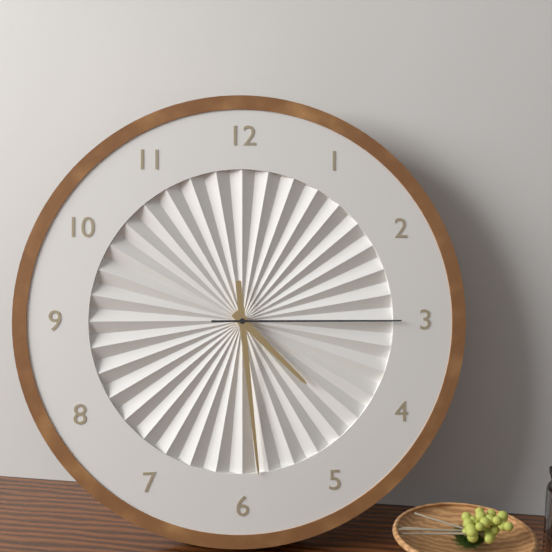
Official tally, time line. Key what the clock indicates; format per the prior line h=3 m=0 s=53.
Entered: h=4 m=29 s=15
